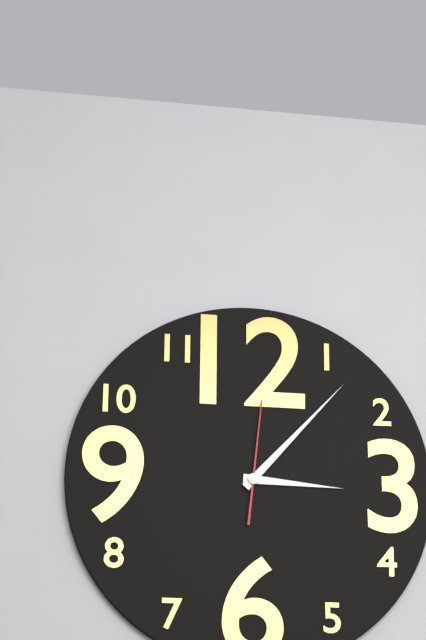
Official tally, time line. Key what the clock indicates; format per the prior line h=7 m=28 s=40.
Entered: h=3 m=7 s=1
